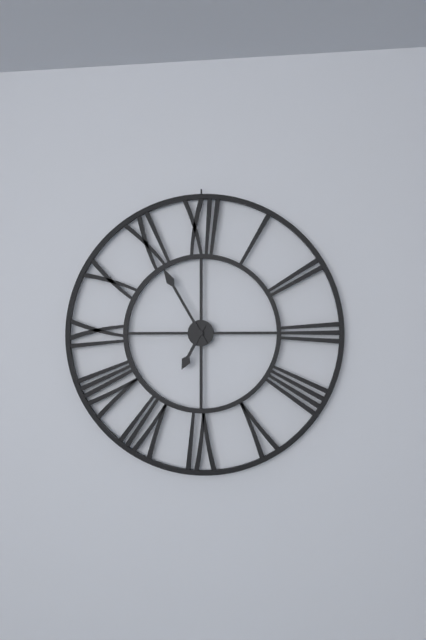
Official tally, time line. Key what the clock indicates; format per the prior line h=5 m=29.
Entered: h=6 m=55
